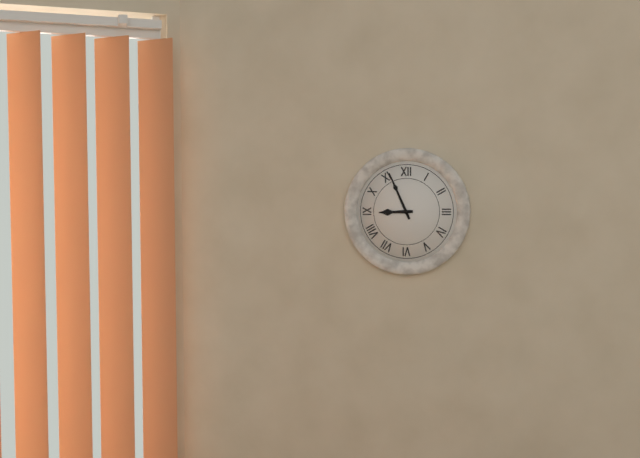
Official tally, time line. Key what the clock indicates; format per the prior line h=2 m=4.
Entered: h=8 m=56
